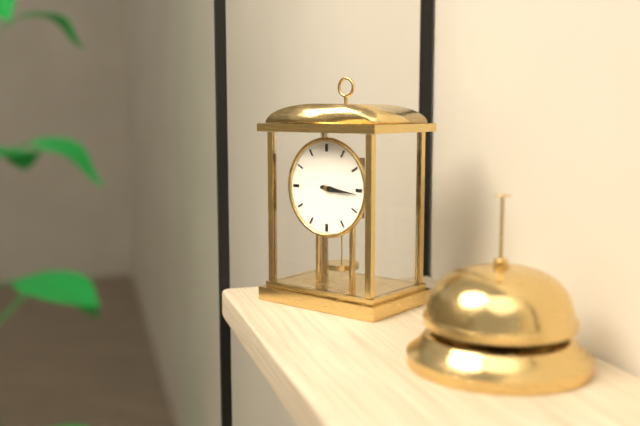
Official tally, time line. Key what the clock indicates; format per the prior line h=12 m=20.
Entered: h=3 m=16
